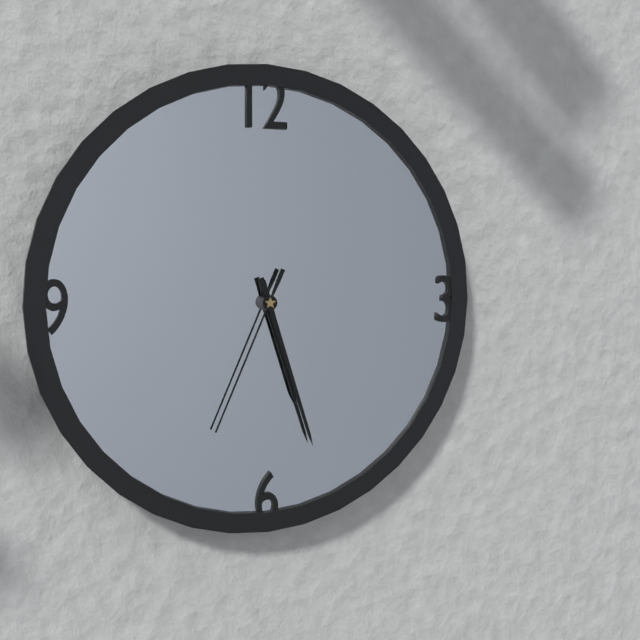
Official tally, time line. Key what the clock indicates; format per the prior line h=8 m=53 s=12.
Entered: h=5 m=27 s=34
